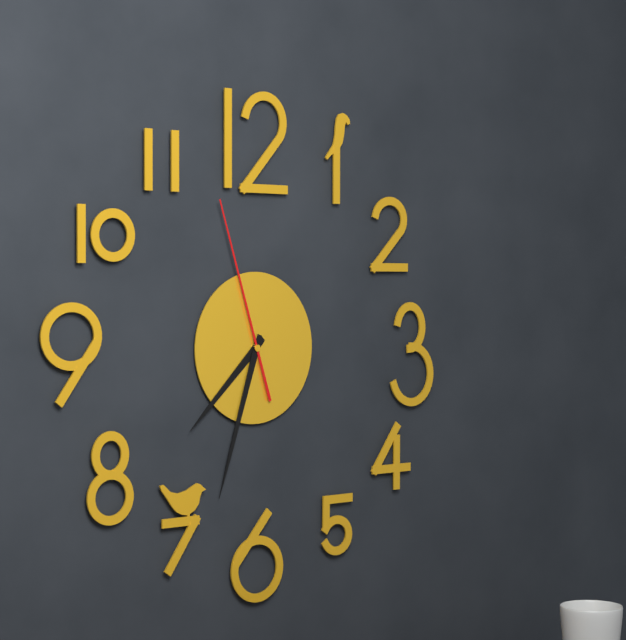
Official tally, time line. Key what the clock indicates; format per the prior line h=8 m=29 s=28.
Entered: h=7 m=33 s=57
